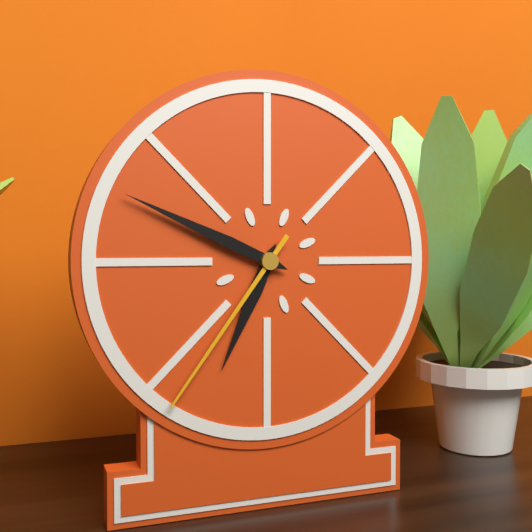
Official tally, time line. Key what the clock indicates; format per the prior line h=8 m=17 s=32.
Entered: h=6 m=49 s=36
